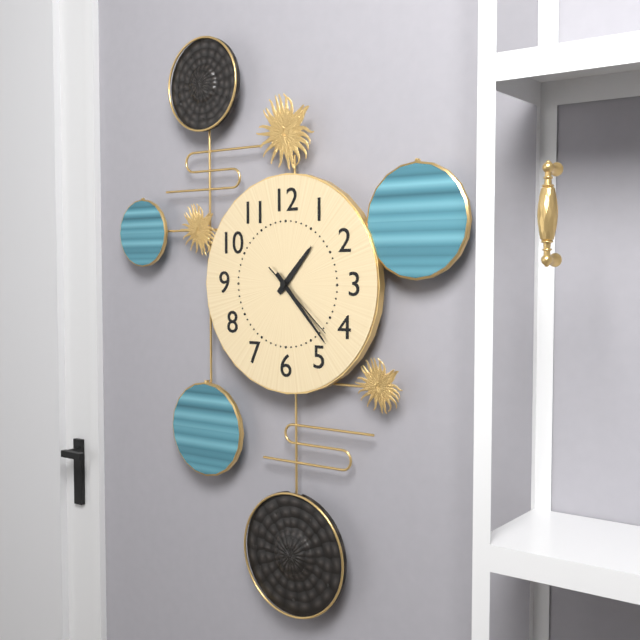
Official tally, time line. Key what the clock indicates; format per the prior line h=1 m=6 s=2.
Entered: h=1 m=23 s=22
